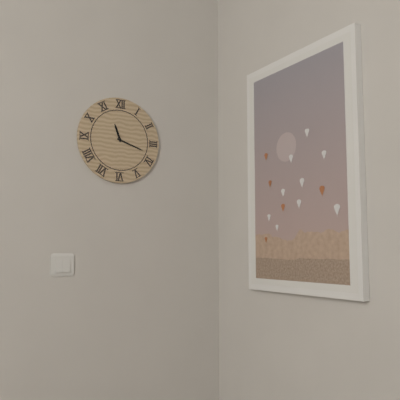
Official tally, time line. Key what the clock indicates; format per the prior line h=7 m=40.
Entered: h=11 m=18
